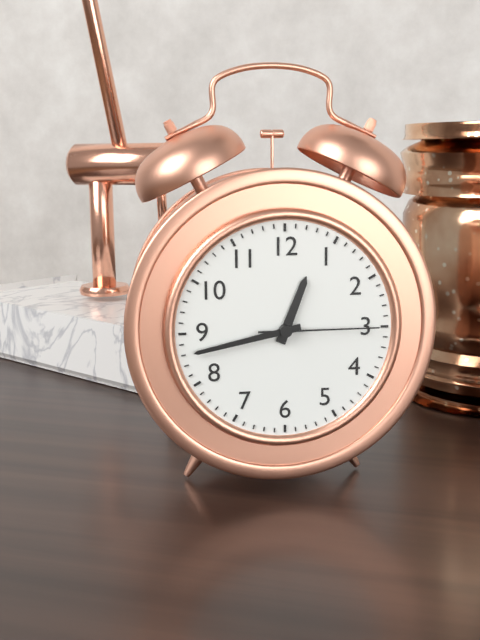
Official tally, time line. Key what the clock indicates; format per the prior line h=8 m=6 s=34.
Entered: h=12 m=43 s=15
